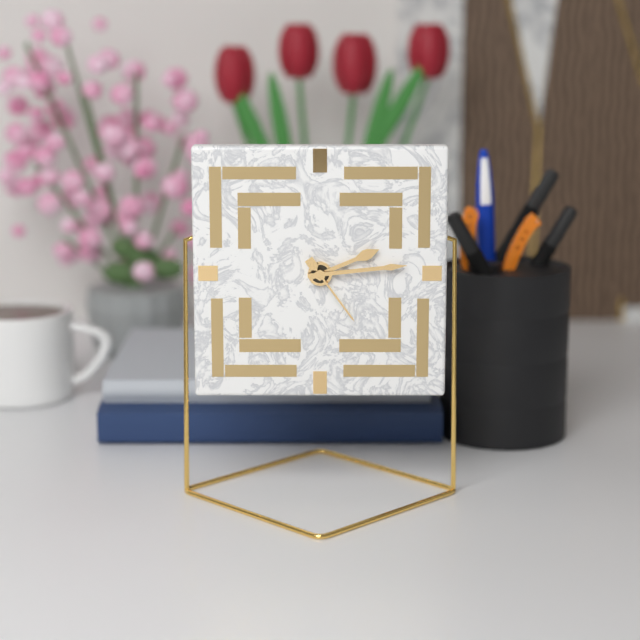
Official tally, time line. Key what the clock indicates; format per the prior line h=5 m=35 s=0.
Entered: h=2 m=14 s=24
